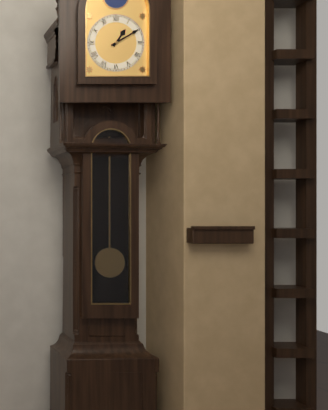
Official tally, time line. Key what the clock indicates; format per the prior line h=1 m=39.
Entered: h=1 m=10
